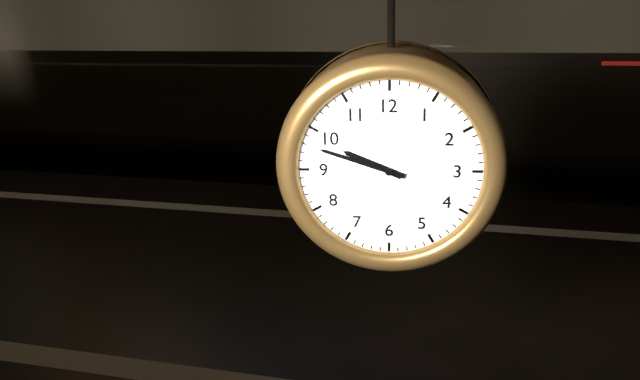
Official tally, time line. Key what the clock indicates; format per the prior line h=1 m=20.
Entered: h=9 m=48
